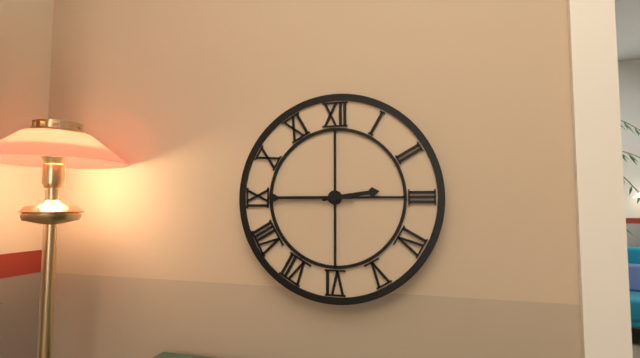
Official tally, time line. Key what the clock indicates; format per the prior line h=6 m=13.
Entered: h=2 m=45
